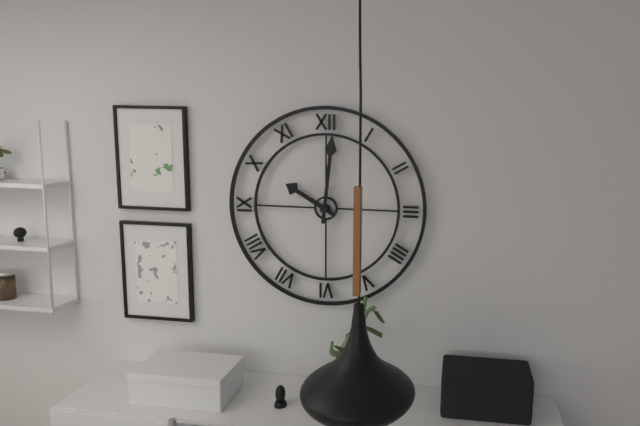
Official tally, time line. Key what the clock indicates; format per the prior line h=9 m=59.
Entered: h=10 m=1
